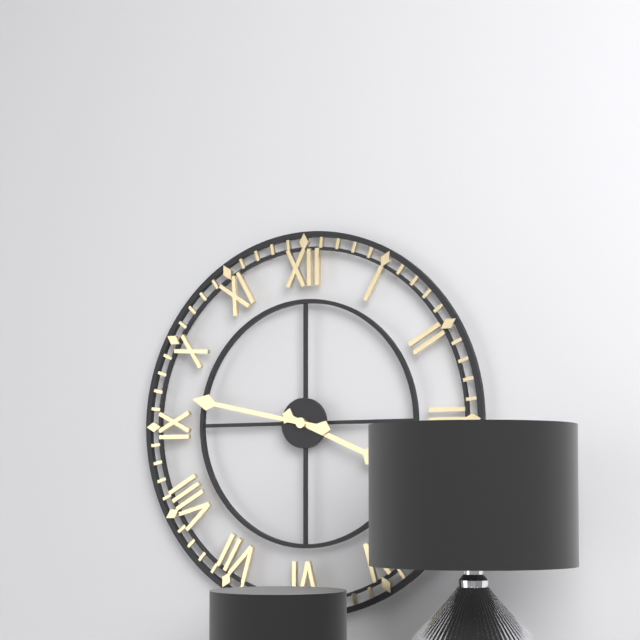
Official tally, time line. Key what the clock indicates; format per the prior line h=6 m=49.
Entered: h=3 m=47
